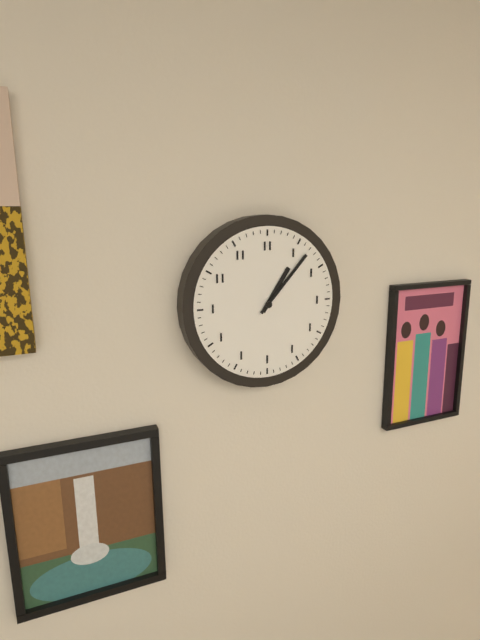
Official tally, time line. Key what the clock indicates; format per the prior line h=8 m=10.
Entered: h=1 m=7
